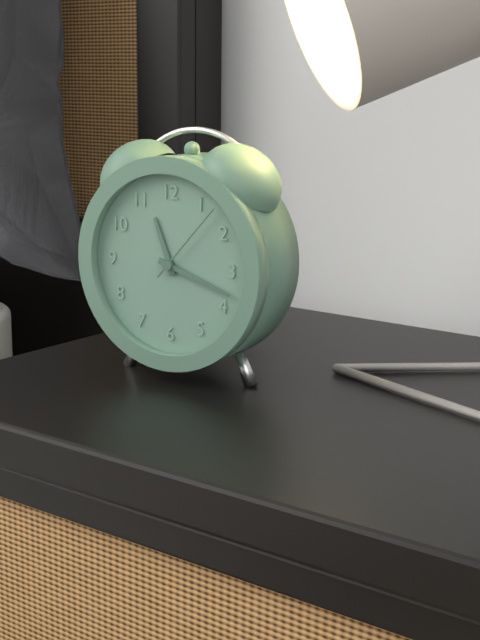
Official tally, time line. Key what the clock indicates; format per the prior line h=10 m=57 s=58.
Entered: h=11 m=18 s=7
